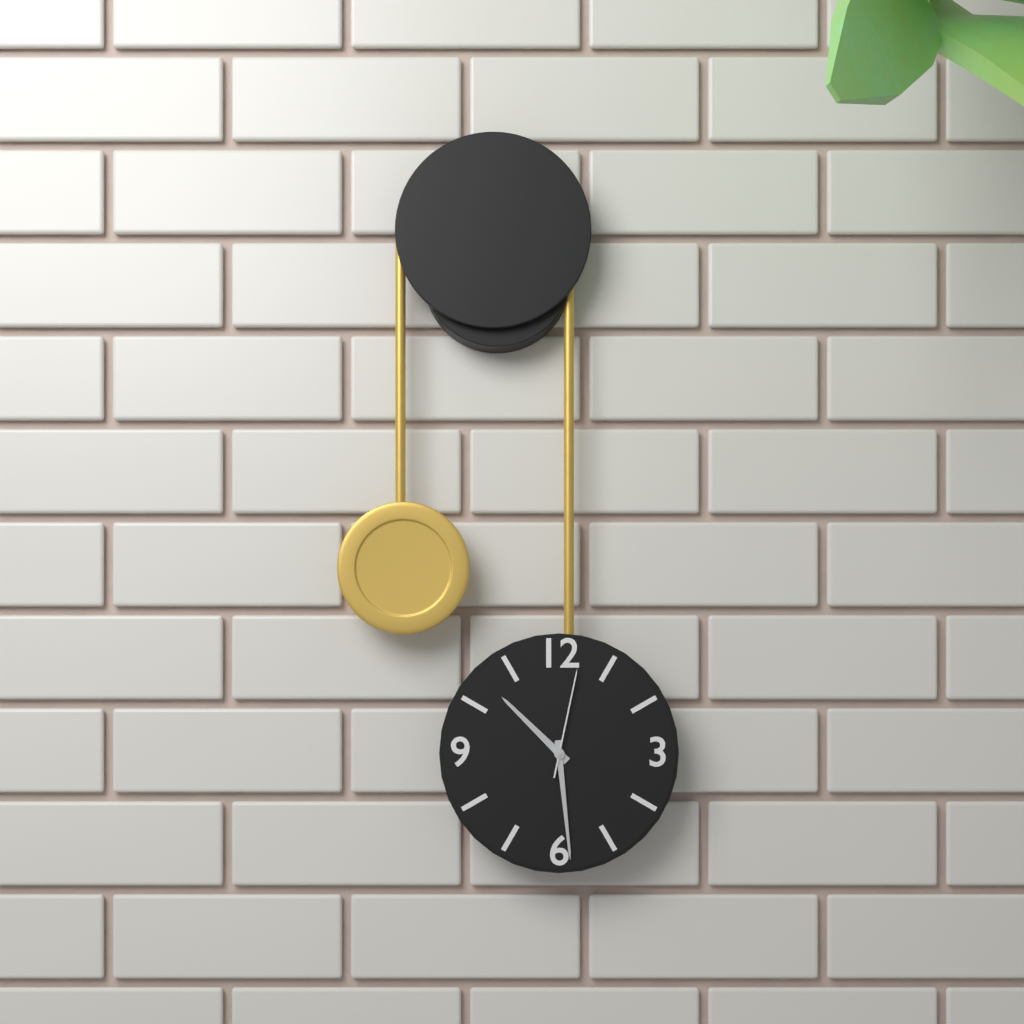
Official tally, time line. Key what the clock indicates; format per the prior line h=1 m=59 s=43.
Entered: h=10 m=29 s=2
